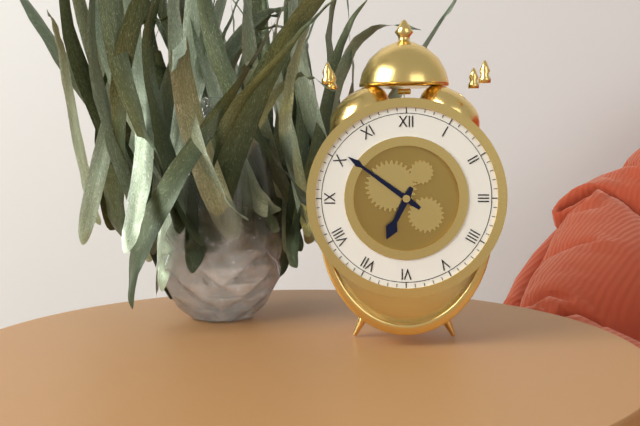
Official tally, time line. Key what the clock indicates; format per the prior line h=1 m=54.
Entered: h=6 m=51
